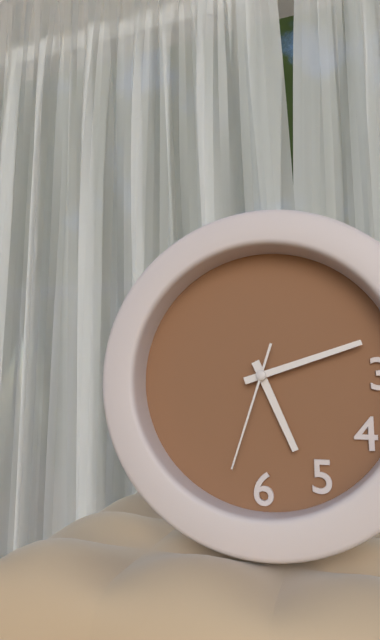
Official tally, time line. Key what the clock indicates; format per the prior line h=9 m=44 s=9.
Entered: h=5 m=12 s=33
